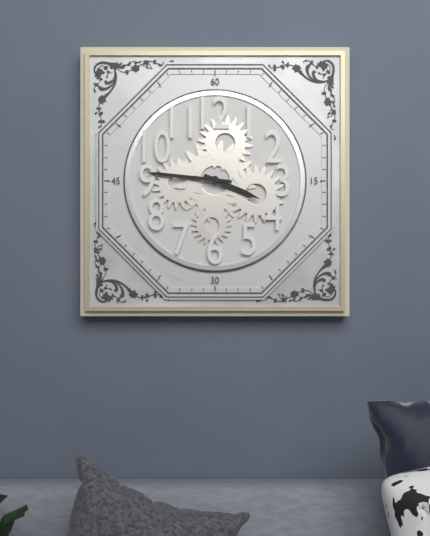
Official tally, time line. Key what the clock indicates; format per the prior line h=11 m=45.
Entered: h=3 m=46
